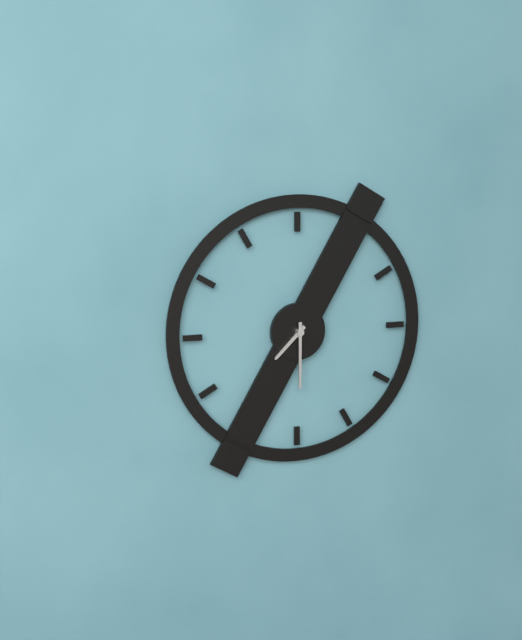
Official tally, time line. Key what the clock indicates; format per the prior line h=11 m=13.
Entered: h=7 m=30
